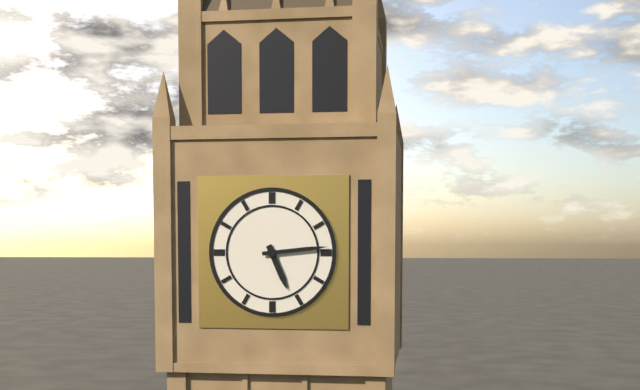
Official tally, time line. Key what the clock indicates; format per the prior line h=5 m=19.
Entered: h=5 m=14
